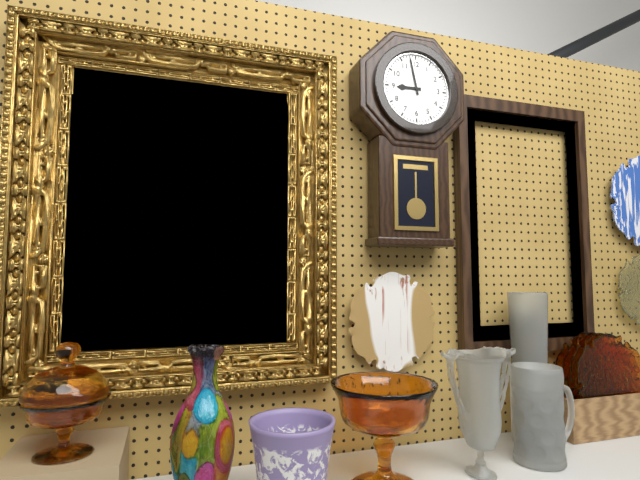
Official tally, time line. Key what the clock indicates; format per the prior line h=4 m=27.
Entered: h=8 m=58
